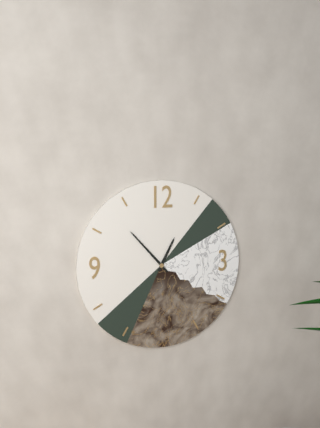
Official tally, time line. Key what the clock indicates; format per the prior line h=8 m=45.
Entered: h=12 m=53
